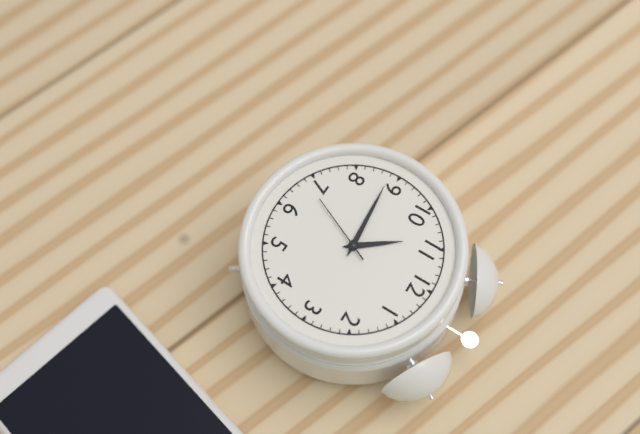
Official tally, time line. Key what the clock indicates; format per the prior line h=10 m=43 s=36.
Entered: h=10 m=44 s=34
